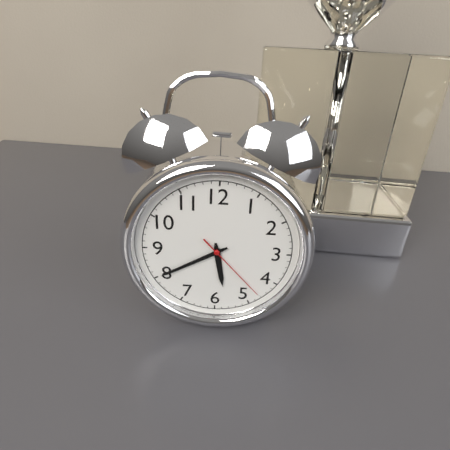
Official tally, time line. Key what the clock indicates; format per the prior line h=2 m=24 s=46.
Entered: h=5 m=40 s=23
